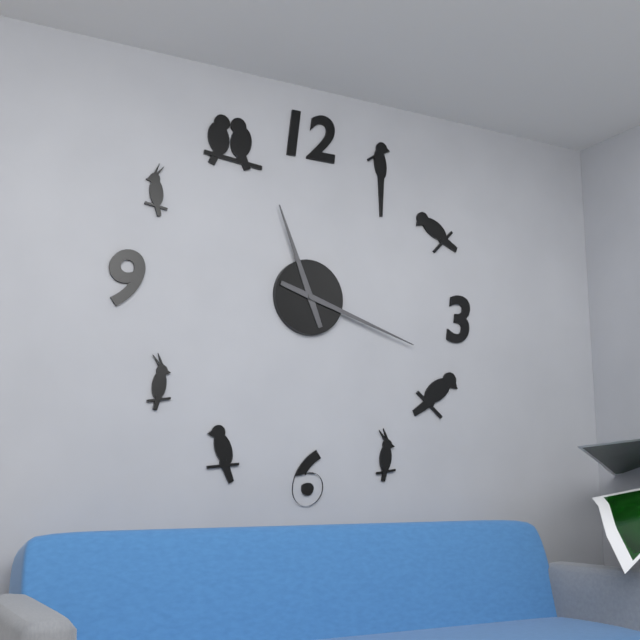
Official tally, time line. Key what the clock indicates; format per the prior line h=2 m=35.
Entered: h=11 m=18
